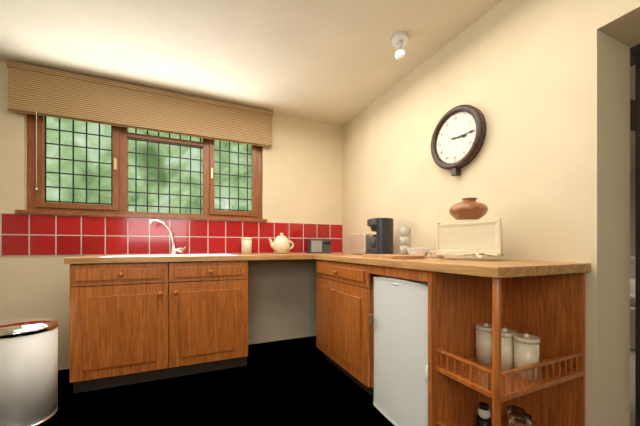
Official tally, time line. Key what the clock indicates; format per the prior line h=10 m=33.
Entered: h=3 m=15
